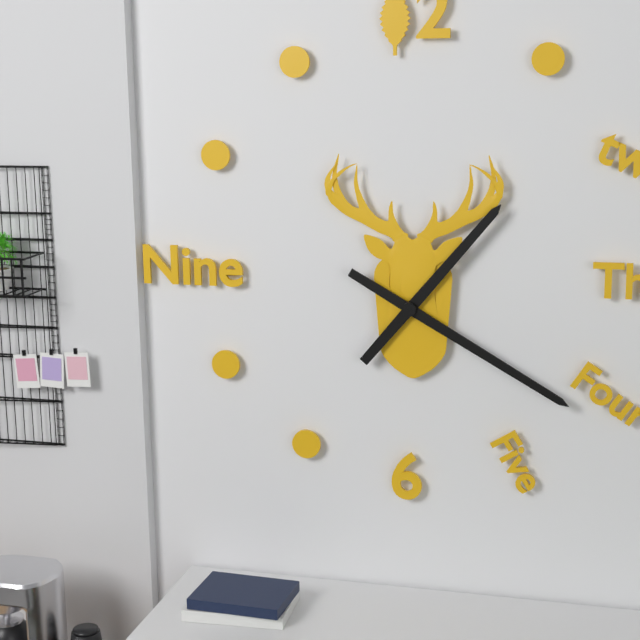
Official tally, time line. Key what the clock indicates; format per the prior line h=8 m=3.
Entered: h=1 m=20
